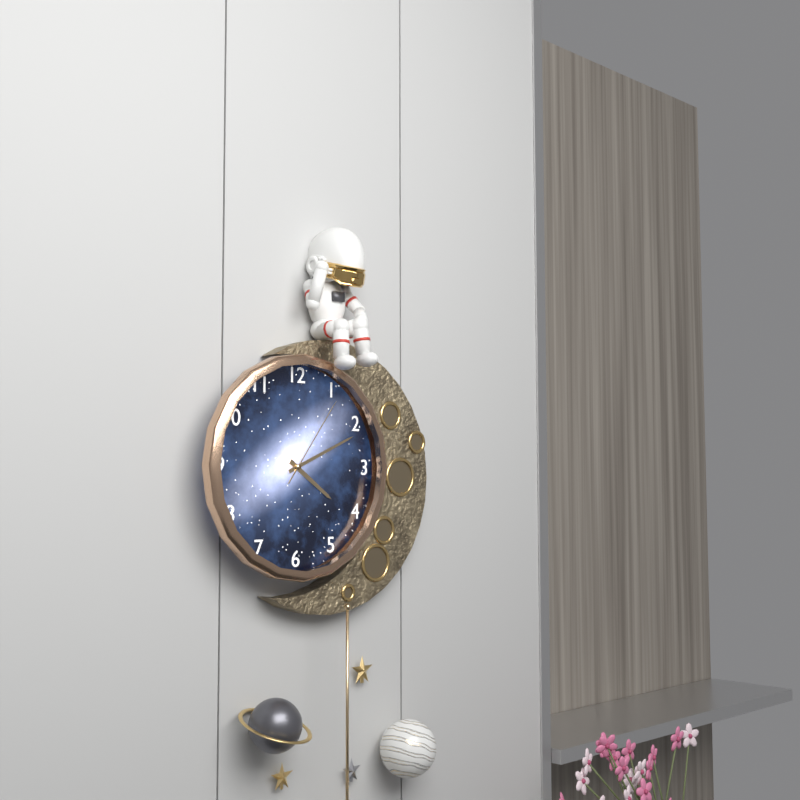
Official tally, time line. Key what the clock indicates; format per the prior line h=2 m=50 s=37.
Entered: h=4 m=11 s=6
